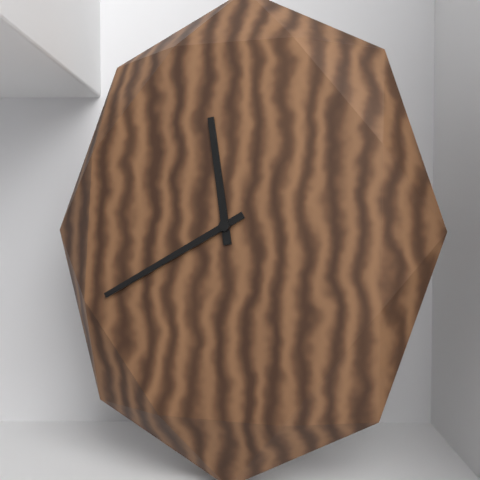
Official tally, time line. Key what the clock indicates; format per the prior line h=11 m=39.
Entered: h=11 m=40
